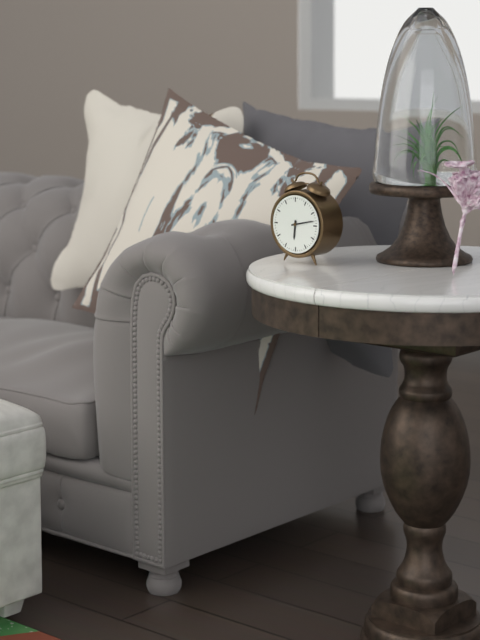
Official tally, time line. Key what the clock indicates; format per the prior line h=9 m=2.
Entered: h=6 m=13
